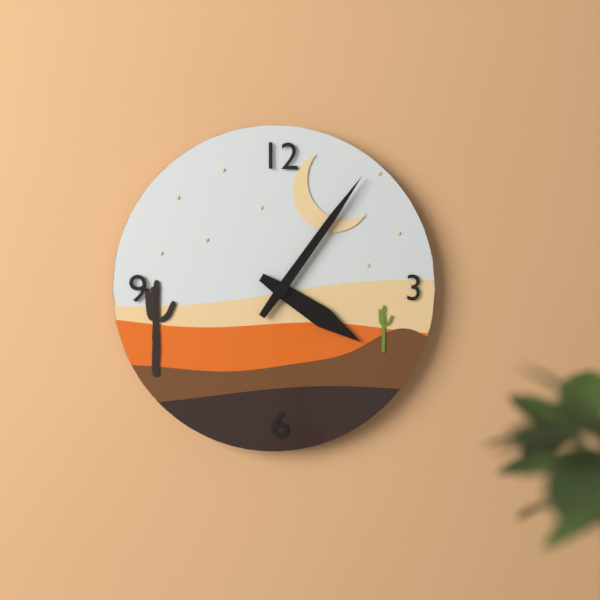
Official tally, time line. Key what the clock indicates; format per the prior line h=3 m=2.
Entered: h=4 m=6
